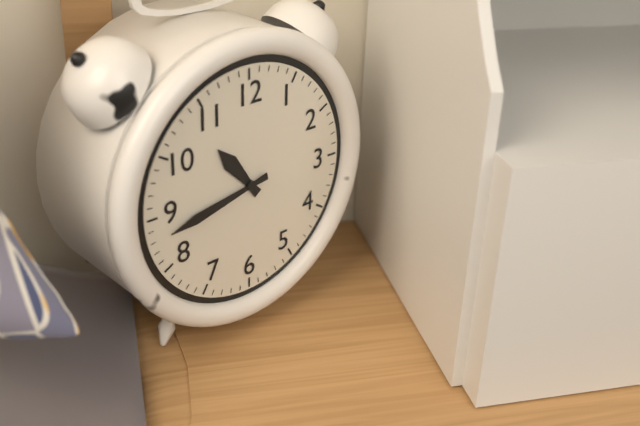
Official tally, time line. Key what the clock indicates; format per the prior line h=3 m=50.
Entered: h=10 m=43
